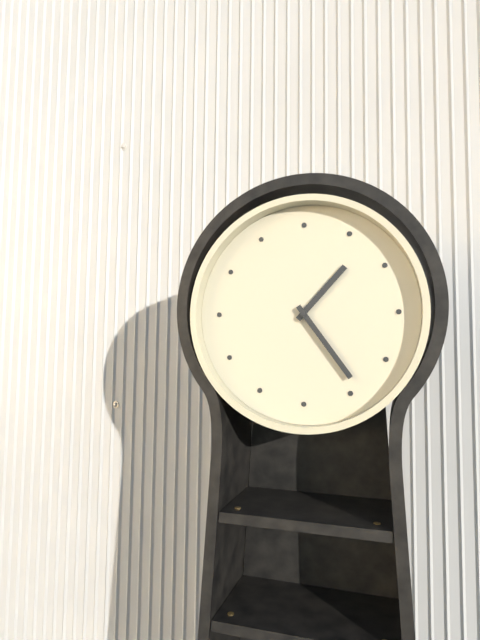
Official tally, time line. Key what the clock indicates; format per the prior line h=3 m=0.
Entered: h=1 m=24
